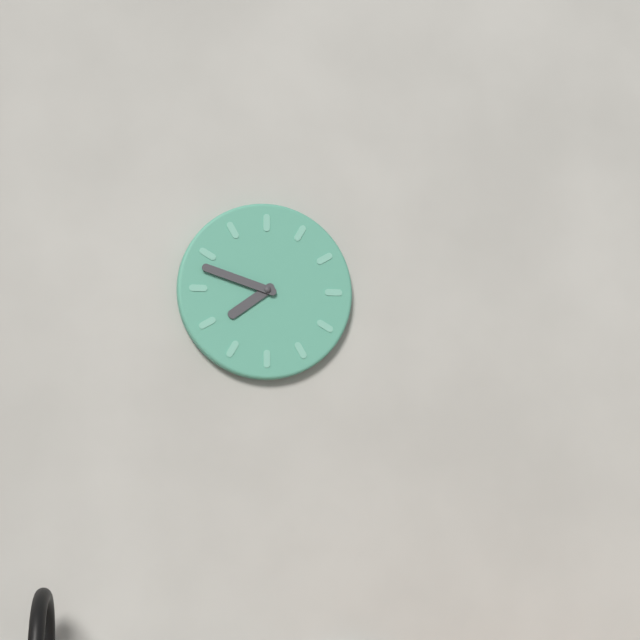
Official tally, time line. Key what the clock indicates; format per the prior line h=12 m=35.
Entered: h=7 m=48
